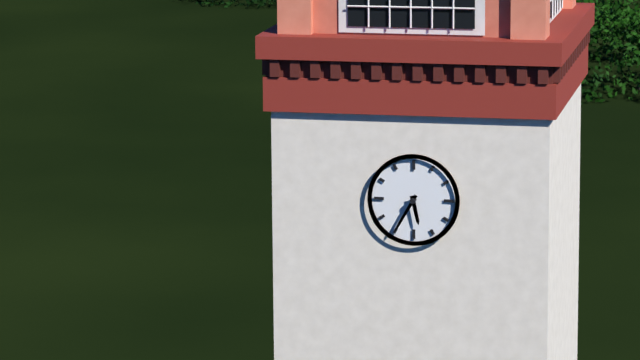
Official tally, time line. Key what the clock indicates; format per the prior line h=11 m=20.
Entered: h=5 m=35
